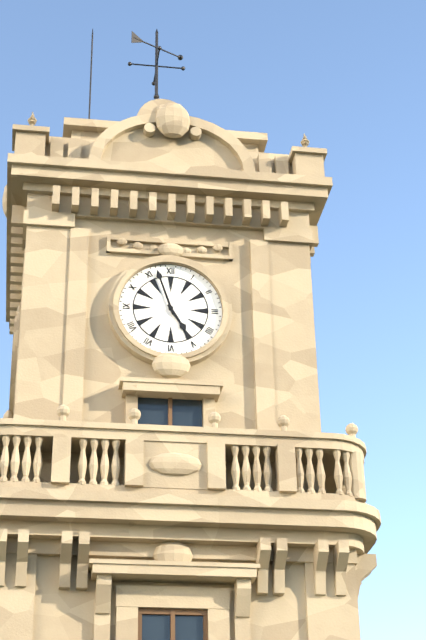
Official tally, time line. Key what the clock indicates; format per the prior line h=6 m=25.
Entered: h=4 m=57
